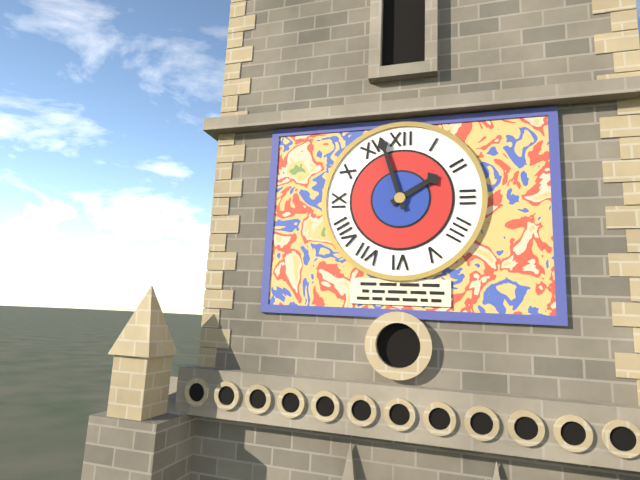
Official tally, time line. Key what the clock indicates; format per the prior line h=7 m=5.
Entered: h=1 m=57
